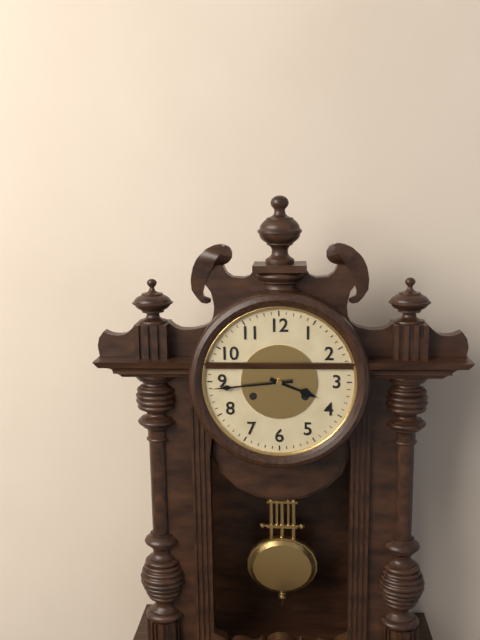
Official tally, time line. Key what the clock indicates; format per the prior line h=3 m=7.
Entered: h=3 m=44
